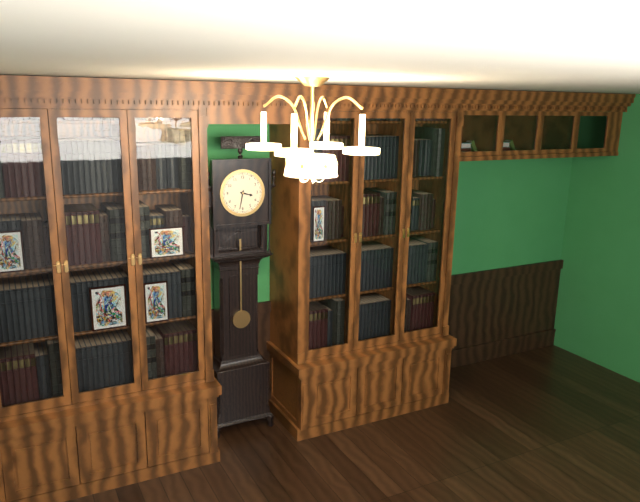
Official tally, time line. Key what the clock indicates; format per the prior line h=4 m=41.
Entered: h=3 m=32
